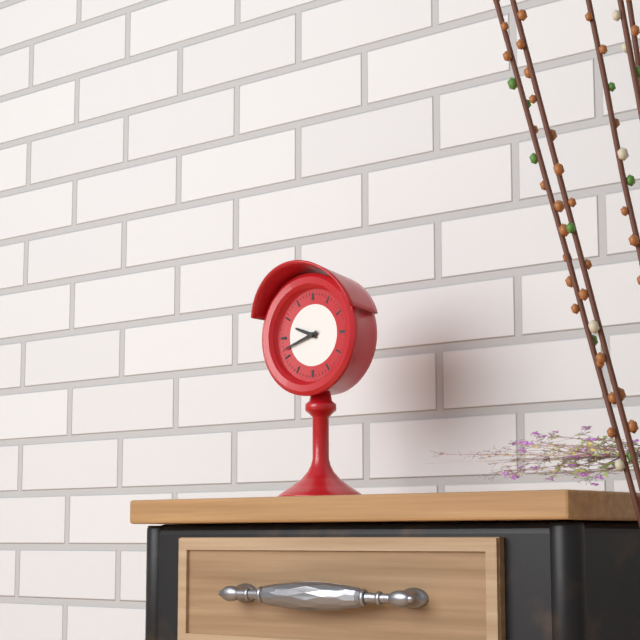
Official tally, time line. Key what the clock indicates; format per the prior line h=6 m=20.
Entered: h=9 m=42
